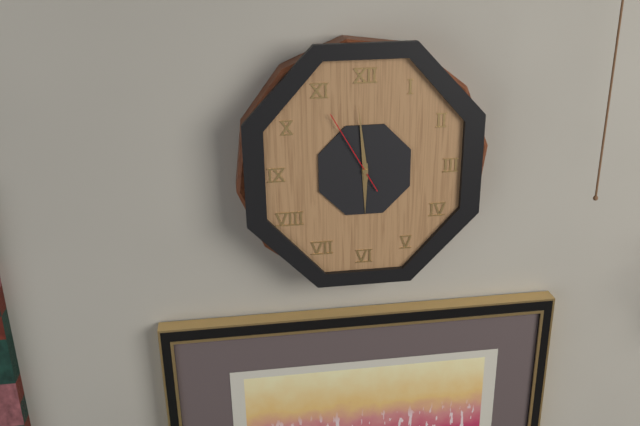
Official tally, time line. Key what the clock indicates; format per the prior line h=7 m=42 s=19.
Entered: h=5 m=59 s=55
